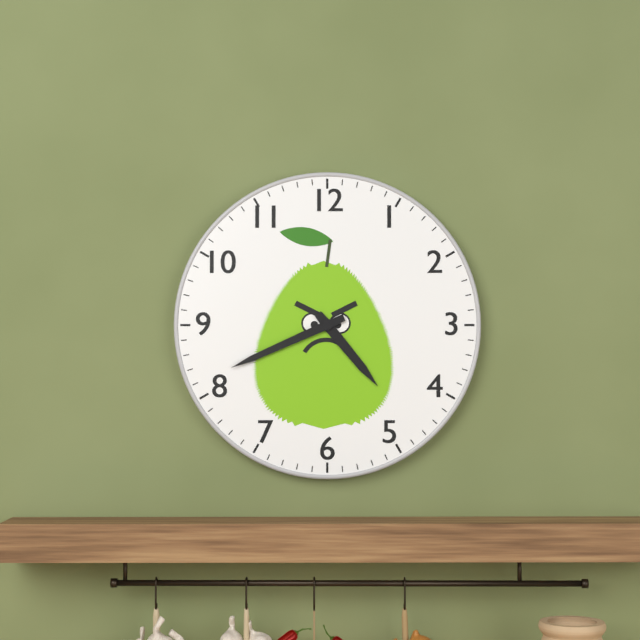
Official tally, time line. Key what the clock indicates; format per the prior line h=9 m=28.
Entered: h=4 m=41
